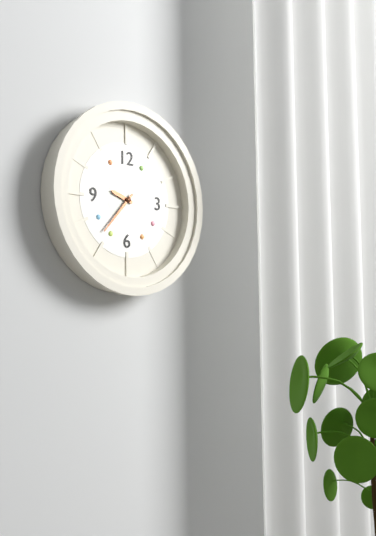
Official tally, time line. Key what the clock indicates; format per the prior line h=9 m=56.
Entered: h=9 m=37
